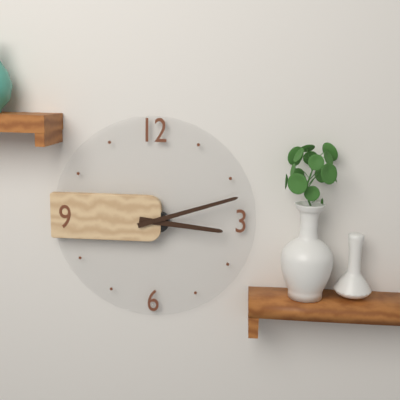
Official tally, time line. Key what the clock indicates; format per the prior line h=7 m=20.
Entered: h=3 m=12
